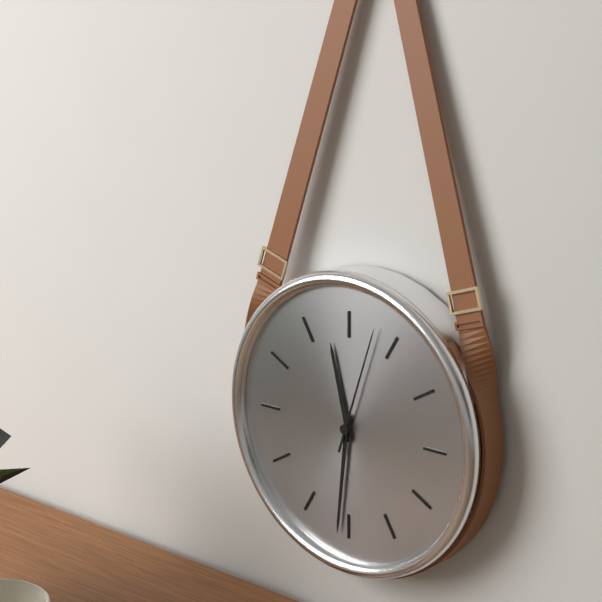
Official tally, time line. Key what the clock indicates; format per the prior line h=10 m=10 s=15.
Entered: h=11 m=31 s=3
